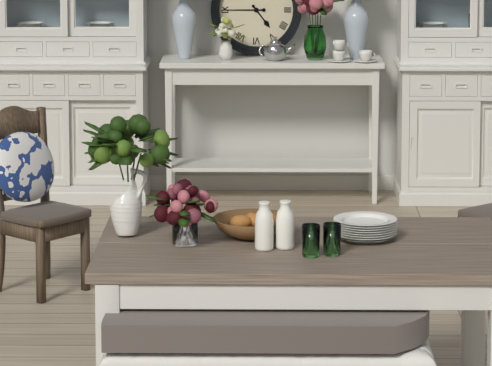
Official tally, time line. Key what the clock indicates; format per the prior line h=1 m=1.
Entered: h=4 m=45
